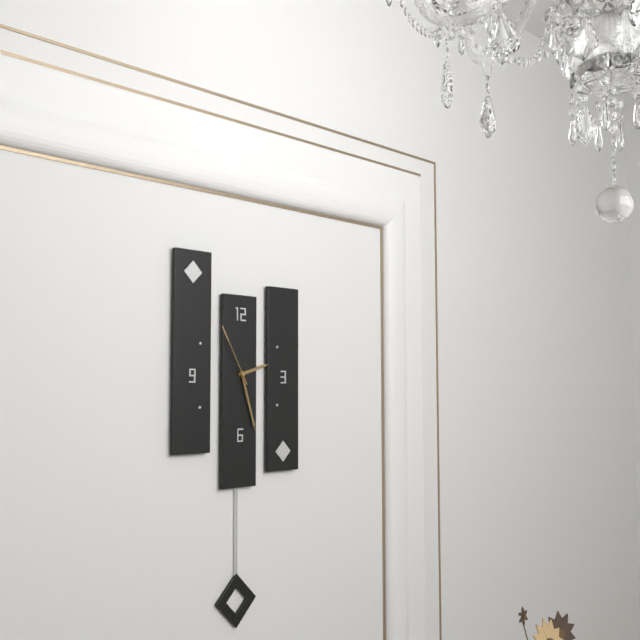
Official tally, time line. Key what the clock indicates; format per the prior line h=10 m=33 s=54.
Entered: h=2 m=27 s=55
